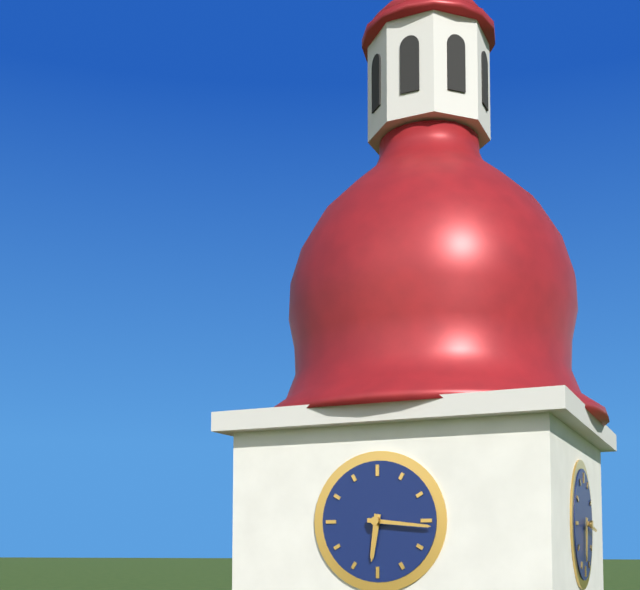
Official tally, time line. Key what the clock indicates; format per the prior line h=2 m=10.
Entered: h=6 m=16
